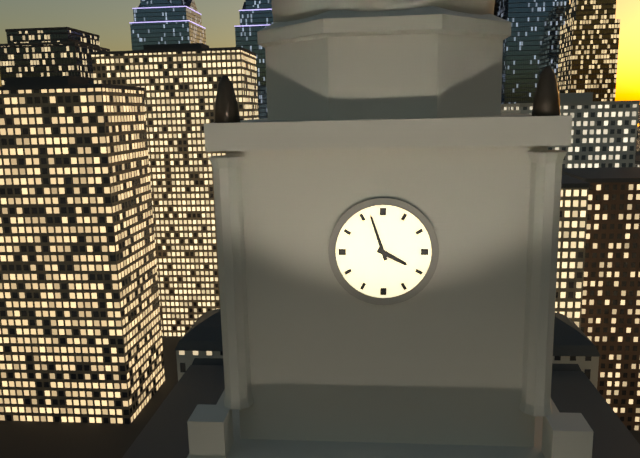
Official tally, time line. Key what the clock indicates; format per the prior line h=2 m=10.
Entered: h=3 m=57
